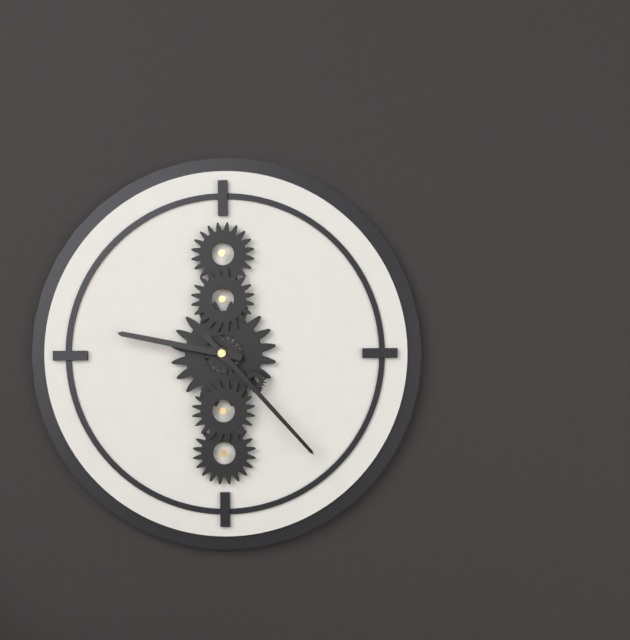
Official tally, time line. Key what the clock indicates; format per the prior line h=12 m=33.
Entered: h=9 m=23
